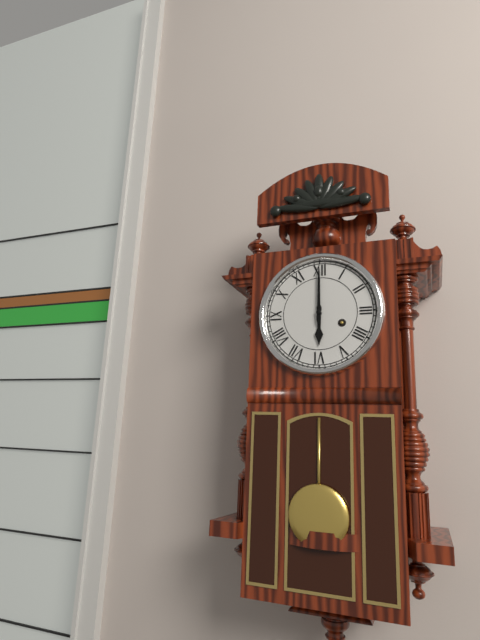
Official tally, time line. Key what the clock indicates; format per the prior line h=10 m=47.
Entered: h=6 m=0
